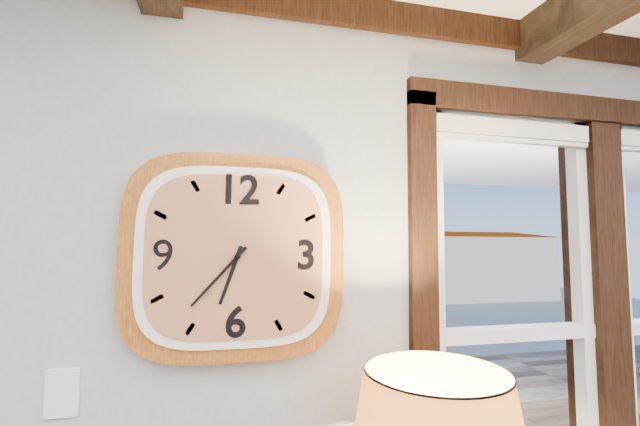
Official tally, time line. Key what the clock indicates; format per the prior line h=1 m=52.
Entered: h=6 m=37
